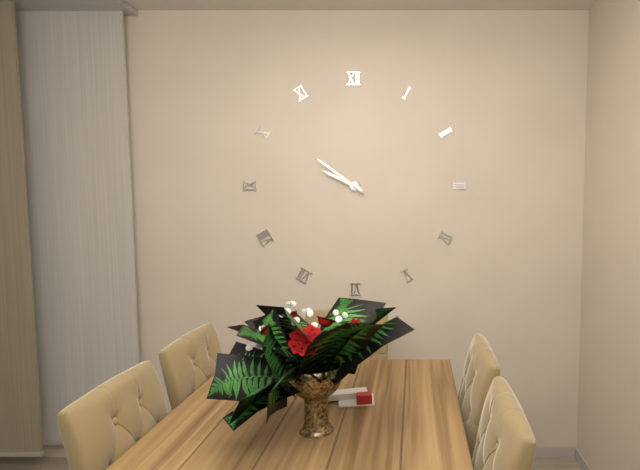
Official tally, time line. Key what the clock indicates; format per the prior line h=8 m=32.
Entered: h=9 m=51
